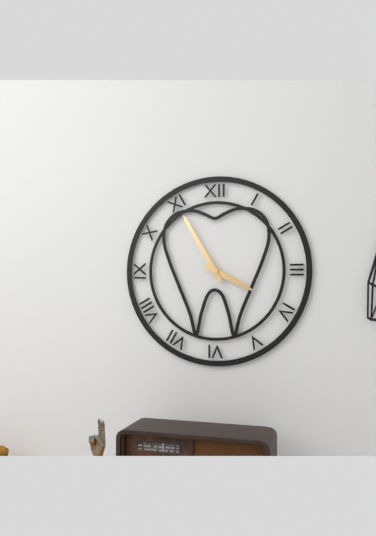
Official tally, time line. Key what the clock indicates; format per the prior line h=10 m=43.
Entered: h=3 m=55
